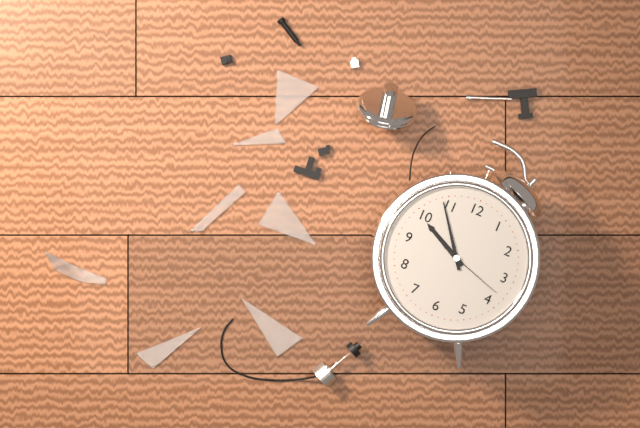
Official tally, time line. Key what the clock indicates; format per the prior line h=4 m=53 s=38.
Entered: h=9 m=54 s=18
